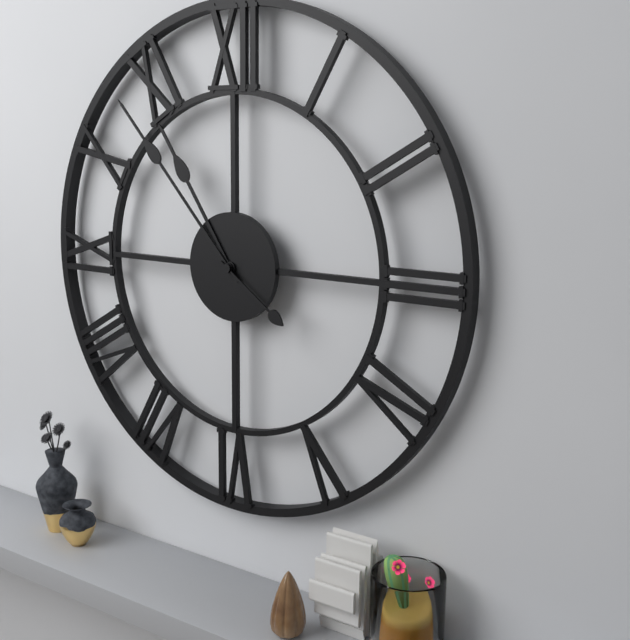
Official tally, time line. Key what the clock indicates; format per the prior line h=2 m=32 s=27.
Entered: h=10 m=53 s=21
